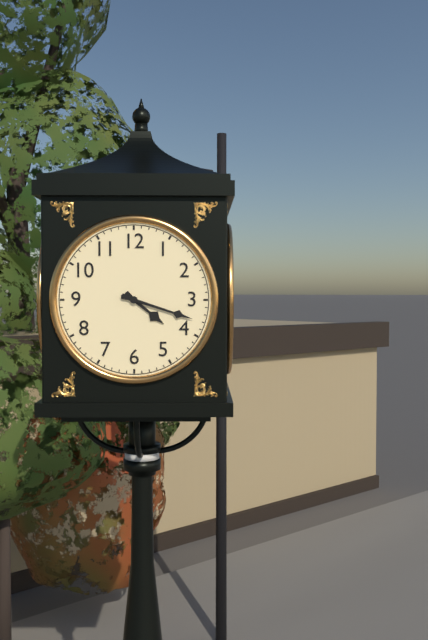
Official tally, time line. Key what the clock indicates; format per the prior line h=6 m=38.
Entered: h=4 m=18
